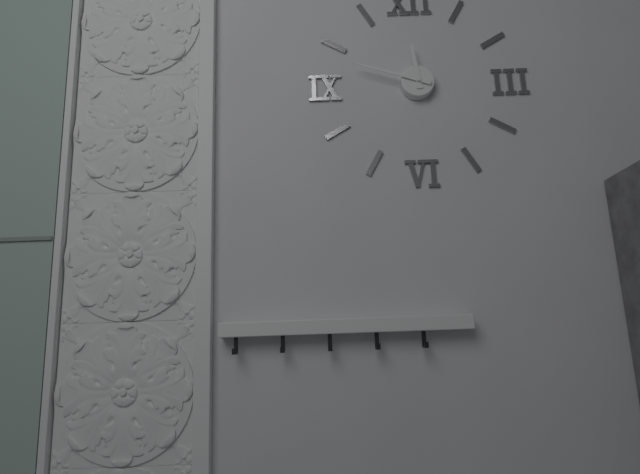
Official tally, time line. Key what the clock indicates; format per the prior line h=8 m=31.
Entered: h=11 m=48
